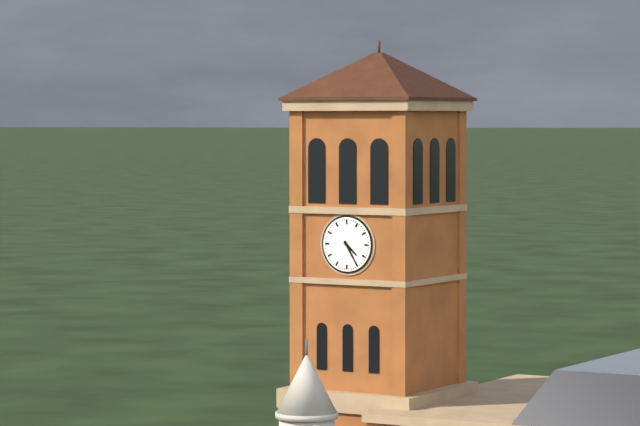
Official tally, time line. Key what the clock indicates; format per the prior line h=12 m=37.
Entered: h=4 m=25
